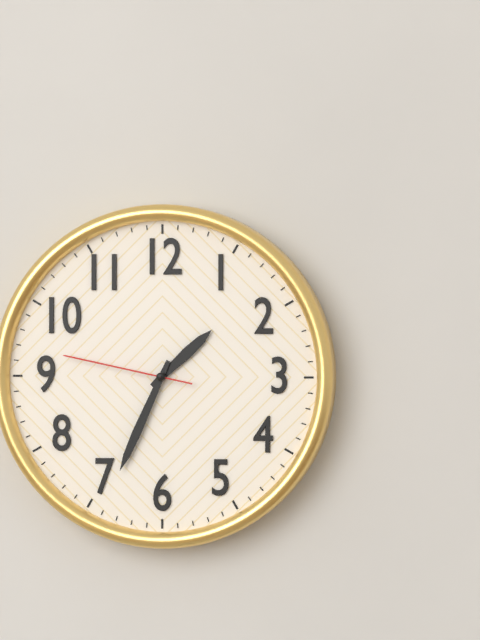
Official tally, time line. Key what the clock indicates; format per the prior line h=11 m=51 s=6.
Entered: h=1 m=34 s=47
